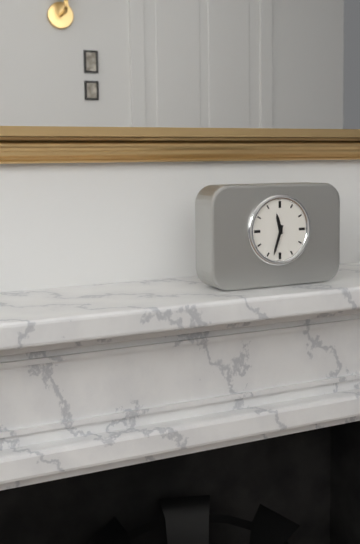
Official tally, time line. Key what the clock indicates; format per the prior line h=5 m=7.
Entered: h=11 m=33
